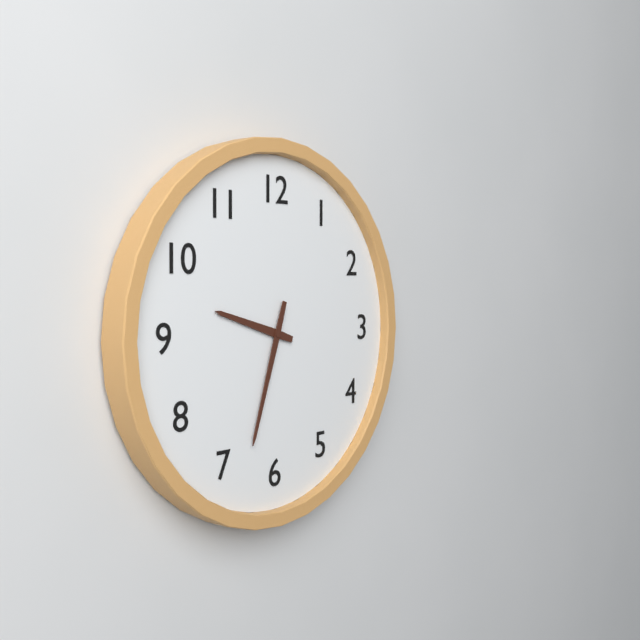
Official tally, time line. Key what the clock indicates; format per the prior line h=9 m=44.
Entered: h=9 m=33
